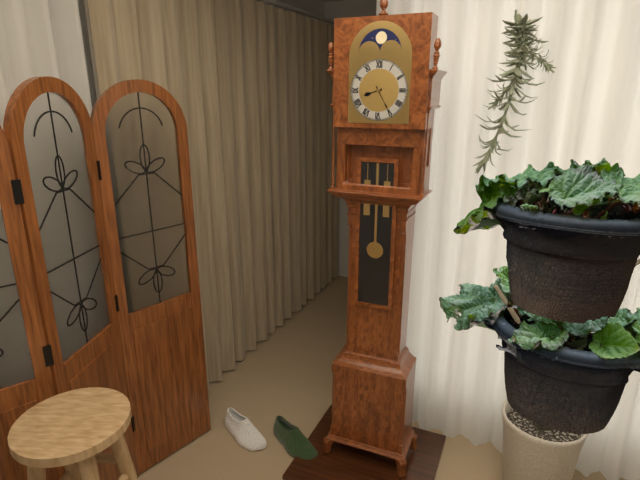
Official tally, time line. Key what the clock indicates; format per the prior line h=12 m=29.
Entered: h=8 m=25
